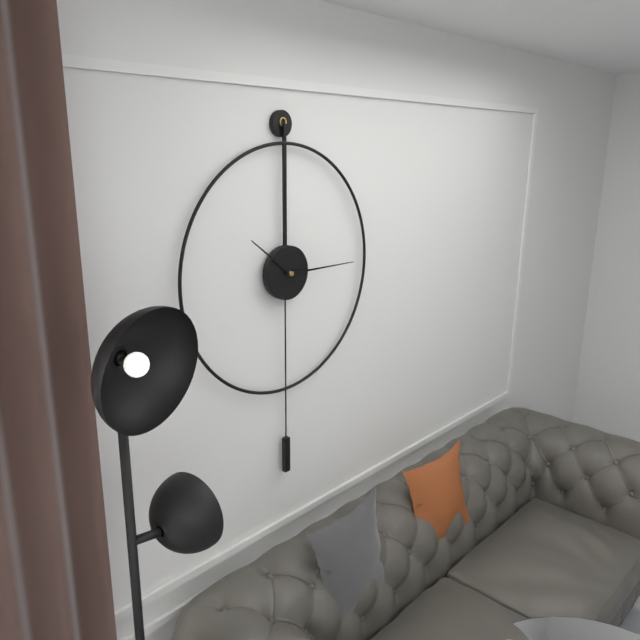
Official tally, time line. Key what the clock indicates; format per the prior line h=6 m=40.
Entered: h=10 m=15
